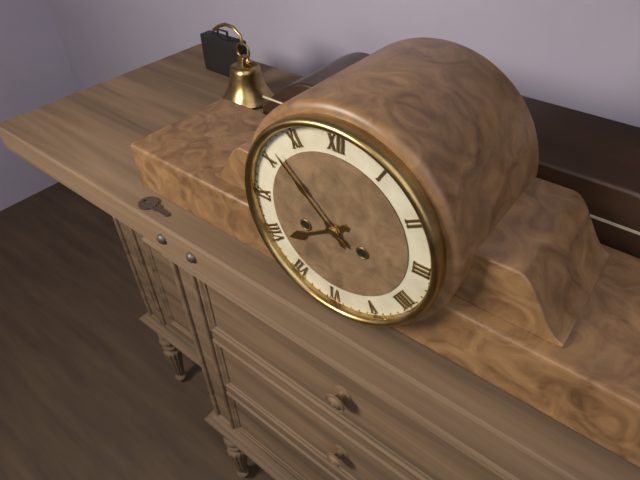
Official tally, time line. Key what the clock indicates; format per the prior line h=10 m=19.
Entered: h=7 m=52
